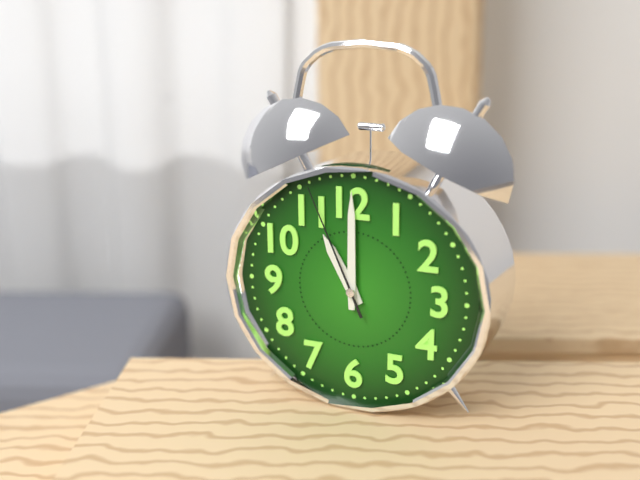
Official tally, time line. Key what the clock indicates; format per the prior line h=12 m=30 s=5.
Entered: h=11 m=0 s=56
